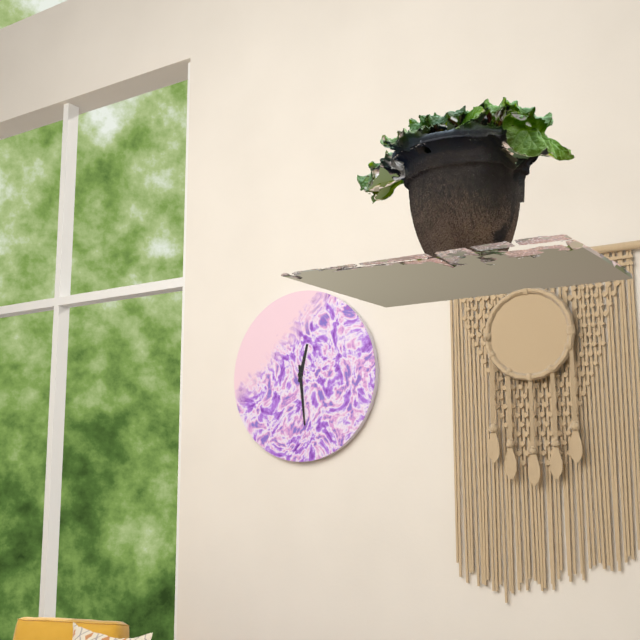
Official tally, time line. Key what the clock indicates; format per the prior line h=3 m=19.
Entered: h=12 m=29
